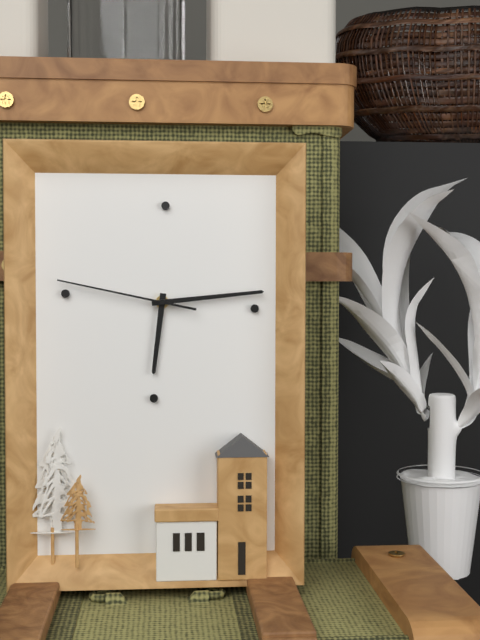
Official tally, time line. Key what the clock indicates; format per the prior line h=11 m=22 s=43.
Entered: h=6 m=14 s=47
